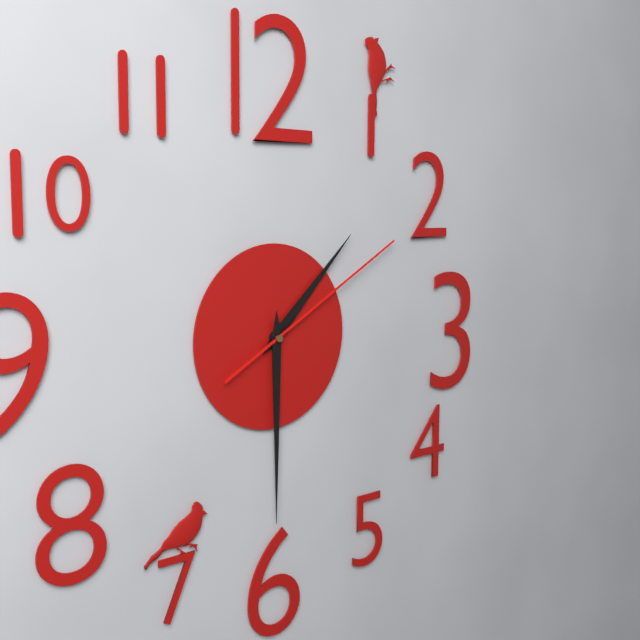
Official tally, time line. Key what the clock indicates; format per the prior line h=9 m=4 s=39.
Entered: h=1 m=30 s=10
